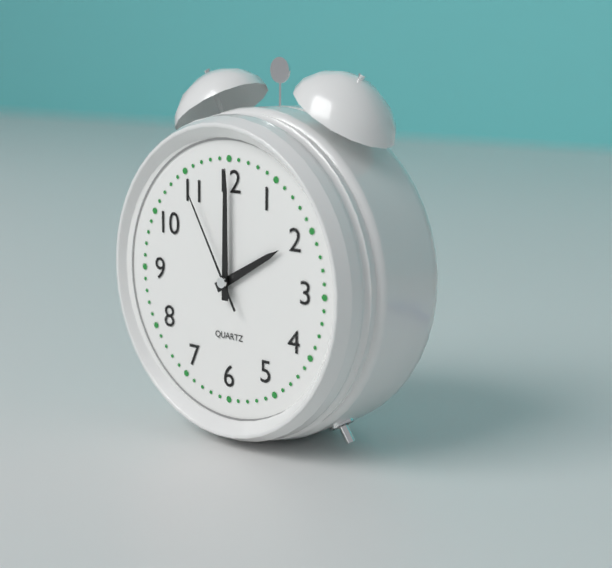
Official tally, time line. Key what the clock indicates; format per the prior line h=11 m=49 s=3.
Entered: h=2 m=0 s=55
